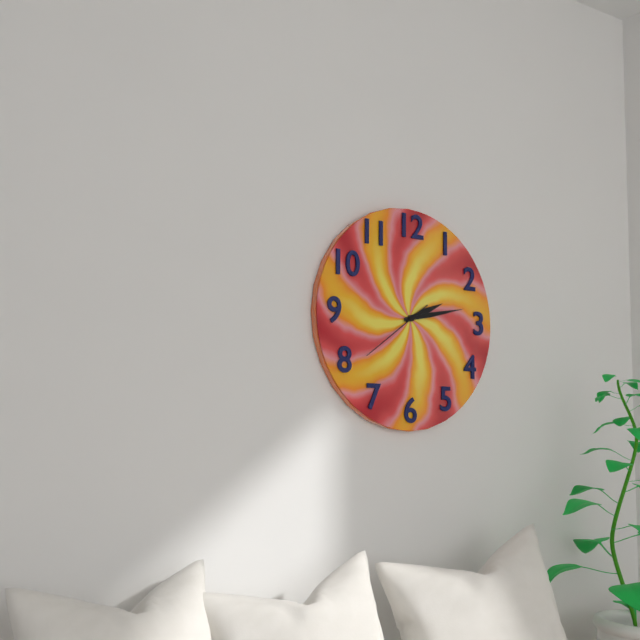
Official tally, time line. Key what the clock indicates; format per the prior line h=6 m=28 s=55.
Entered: h=2 m=13 s=39
